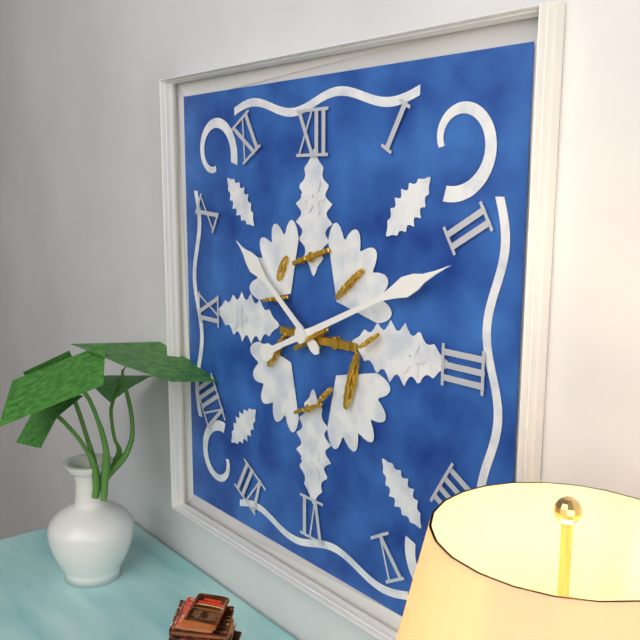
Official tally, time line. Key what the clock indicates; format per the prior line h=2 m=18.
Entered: h=10 m=11
